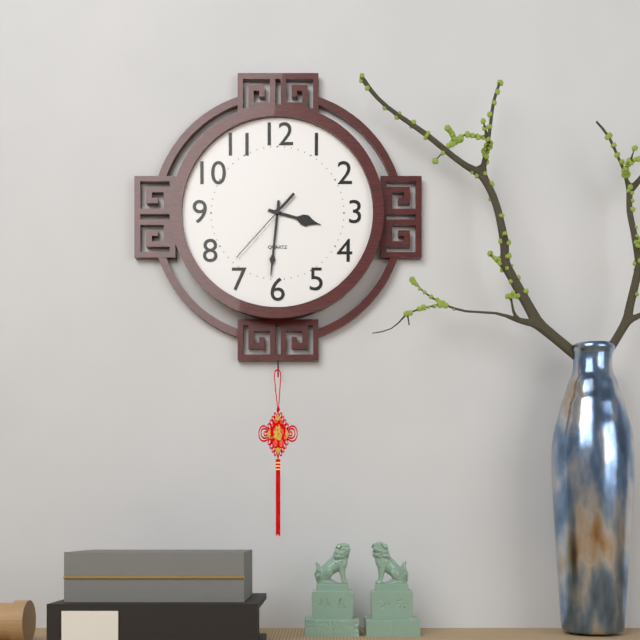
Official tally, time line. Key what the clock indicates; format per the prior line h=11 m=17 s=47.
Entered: h=3 m=31 s=37
